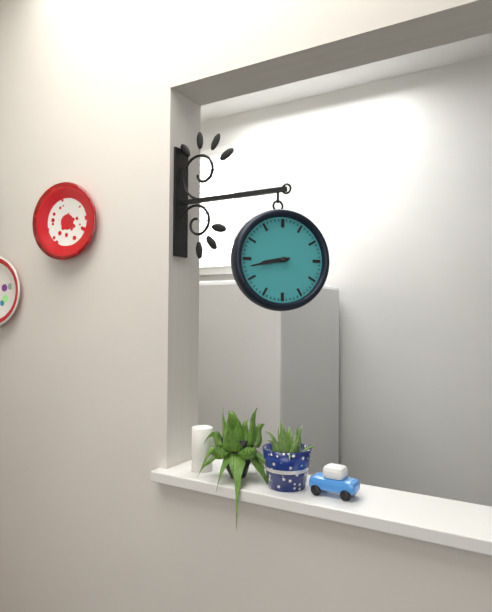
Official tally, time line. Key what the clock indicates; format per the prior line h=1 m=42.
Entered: h=8 m=43
